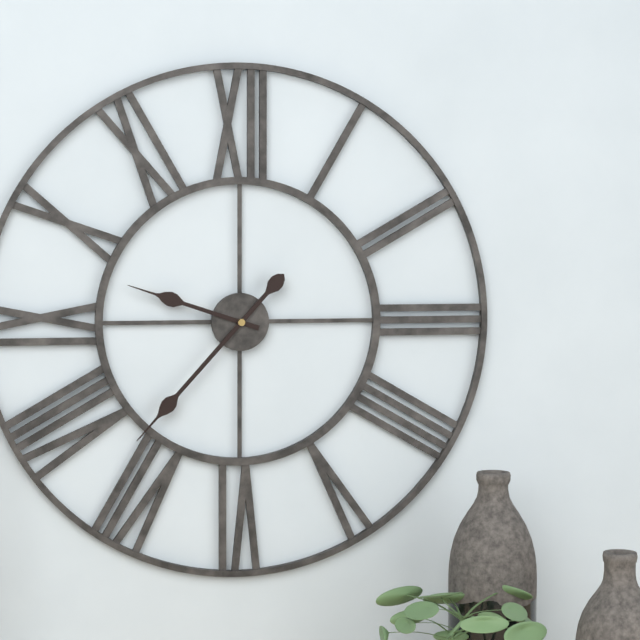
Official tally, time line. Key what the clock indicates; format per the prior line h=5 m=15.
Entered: h=9 m=37
